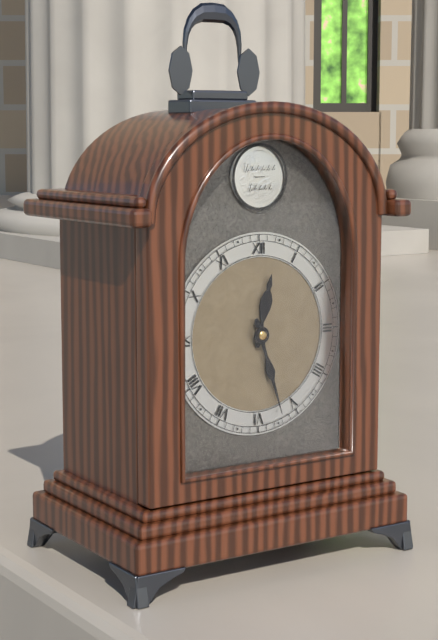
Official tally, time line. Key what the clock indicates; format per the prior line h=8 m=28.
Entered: h=12 m=27
